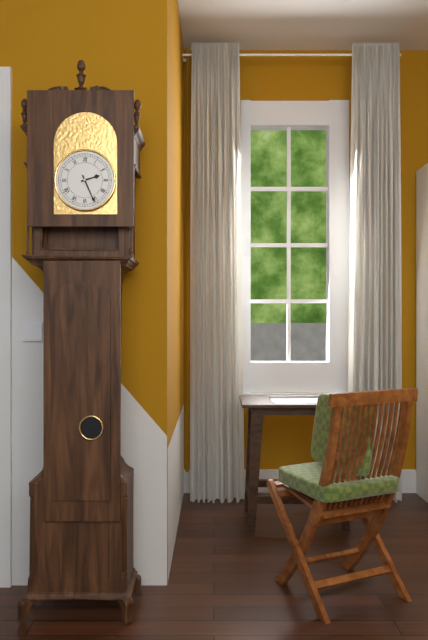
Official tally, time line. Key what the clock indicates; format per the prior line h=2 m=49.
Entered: h=2 m=26
